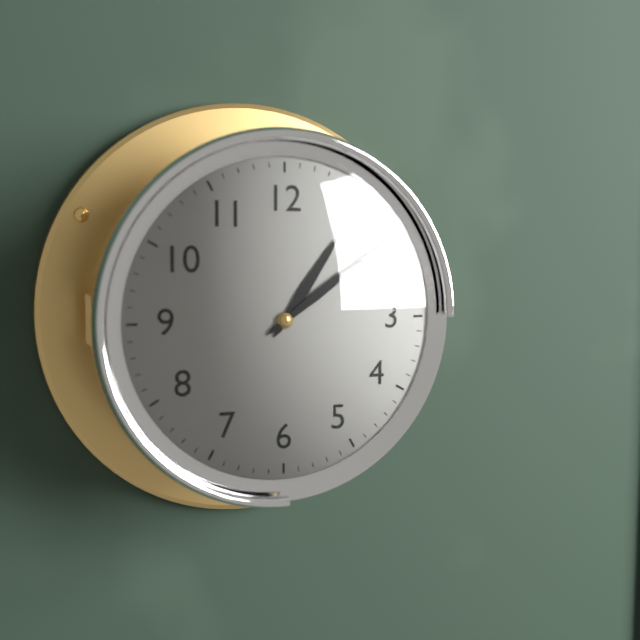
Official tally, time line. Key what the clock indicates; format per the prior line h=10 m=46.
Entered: h=1 m=9
